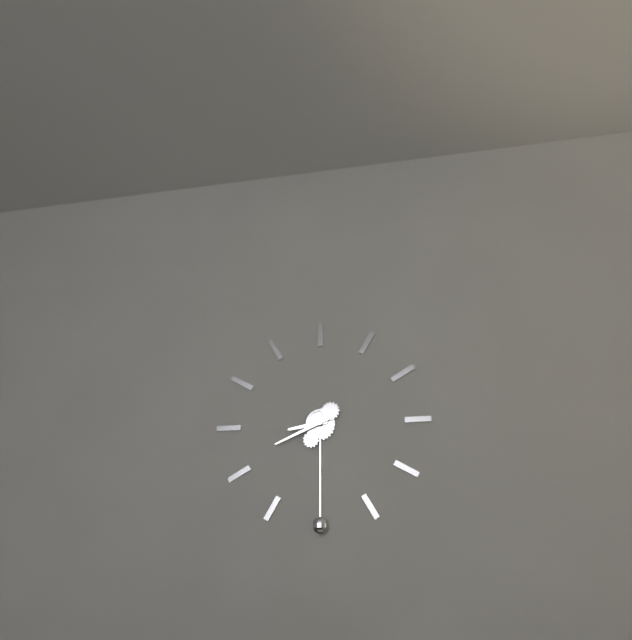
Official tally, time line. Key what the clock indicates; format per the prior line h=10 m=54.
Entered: h=8 m=41
